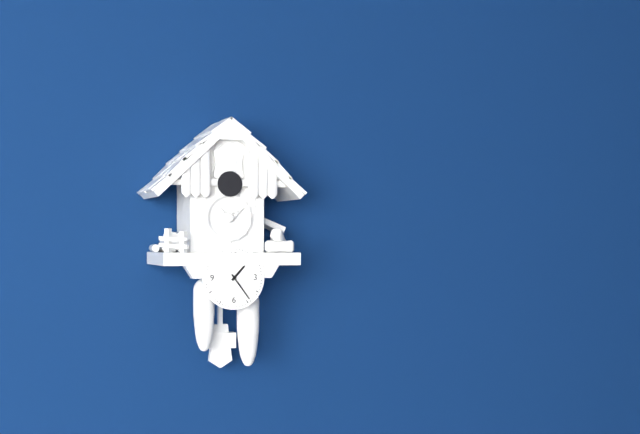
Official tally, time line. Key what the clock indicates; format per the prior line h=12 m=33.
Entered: h=1 m=24
